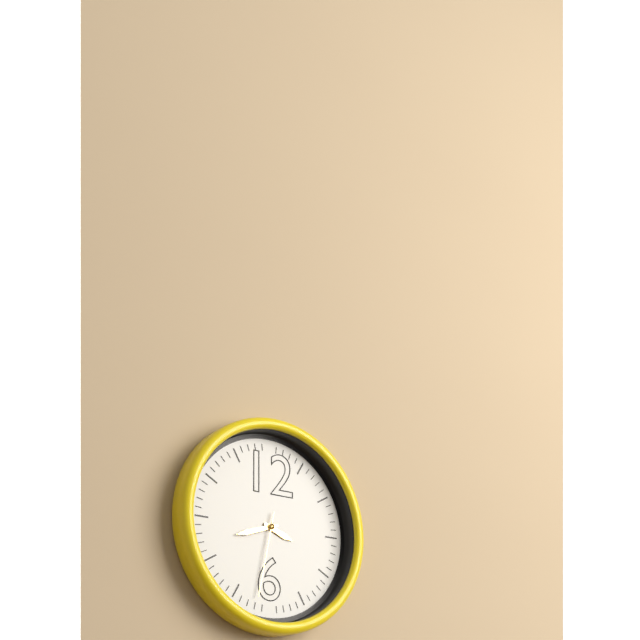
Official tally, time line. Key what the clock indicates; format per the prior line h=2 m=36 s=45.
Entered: h=3 m=42 s=32
